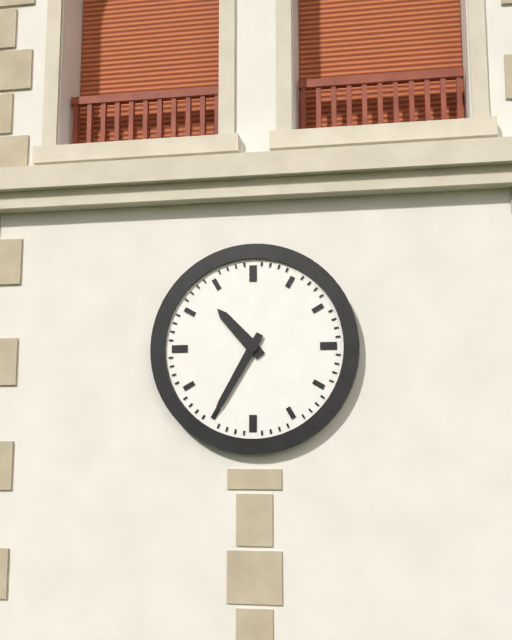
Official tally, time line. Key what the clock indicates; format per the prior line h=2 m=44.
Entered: h=10 m=35
